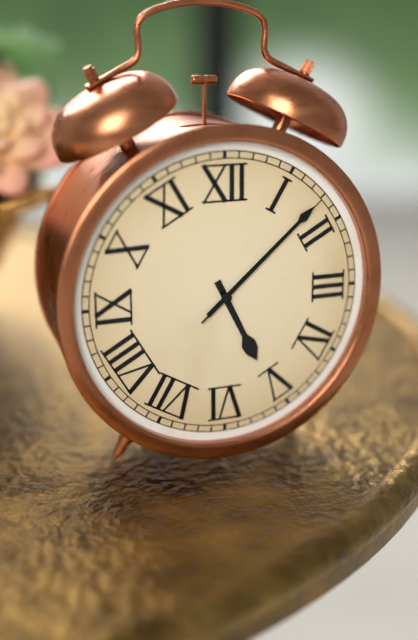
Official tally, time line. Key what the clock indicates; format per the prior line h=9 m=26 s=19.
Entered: h=5 m=8 s=8
